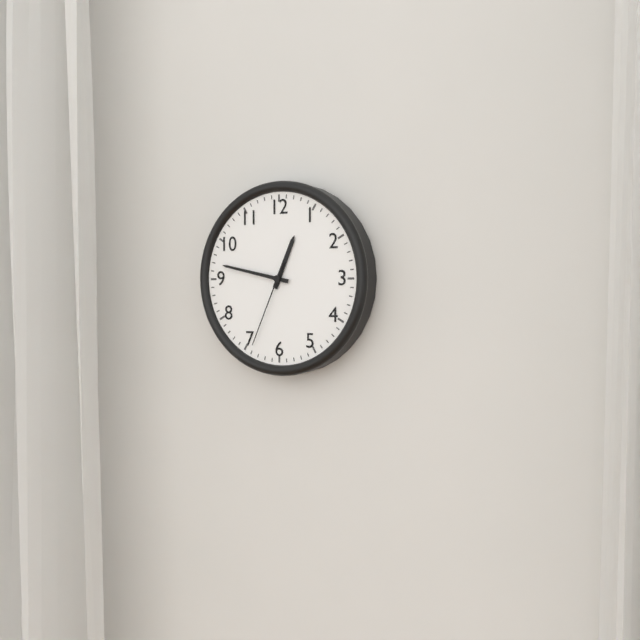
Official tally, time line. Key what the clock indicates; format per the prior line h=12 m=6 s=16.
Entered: h=12 m=47 s=34
